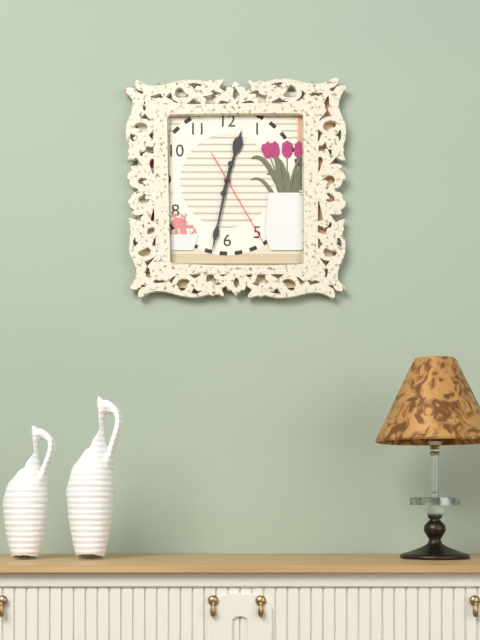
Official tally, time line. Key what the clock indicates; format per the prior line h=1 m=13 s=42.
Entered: h=12 m=32 s=25
